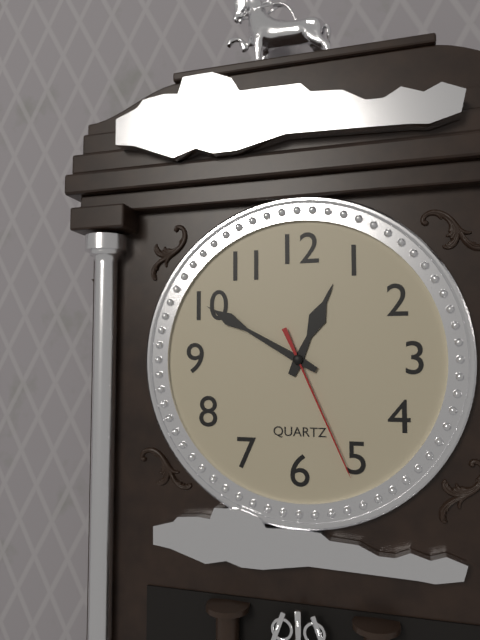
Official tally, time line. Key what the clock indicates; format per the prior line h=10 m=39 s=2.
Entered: h=12 m=50 s=26
